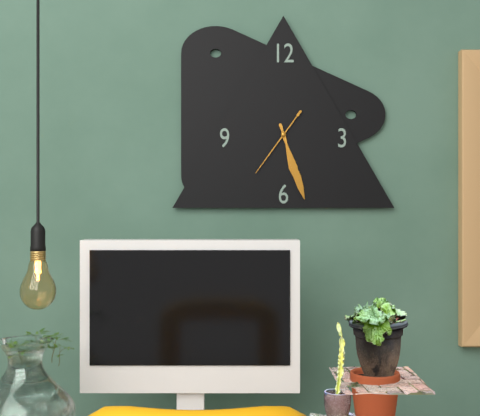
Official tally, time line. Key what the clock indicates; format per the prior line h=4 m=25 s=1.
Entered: h=5 m=27 s=36
